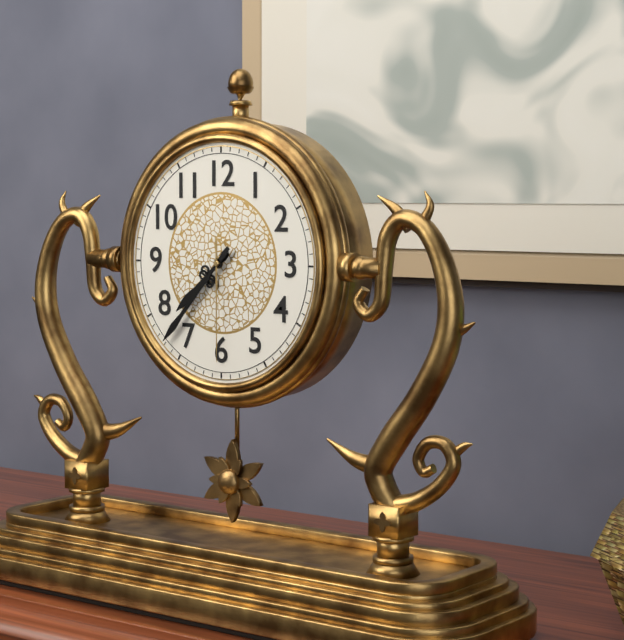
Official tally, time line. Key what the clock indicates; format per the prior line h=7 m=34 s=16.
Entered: h=7 m=37 s=30
